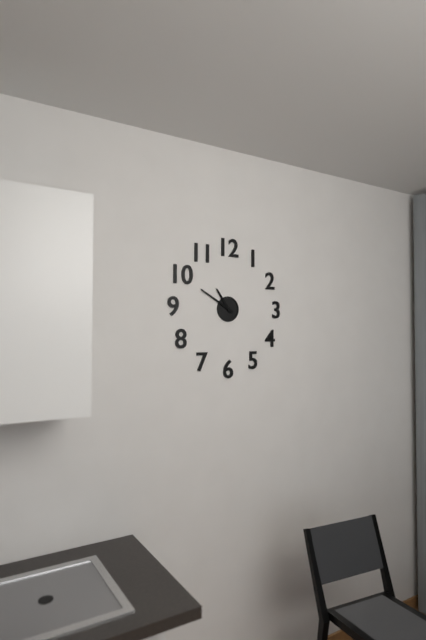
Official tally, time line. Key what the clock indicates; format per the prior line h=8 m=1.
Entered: h=10 m=50
